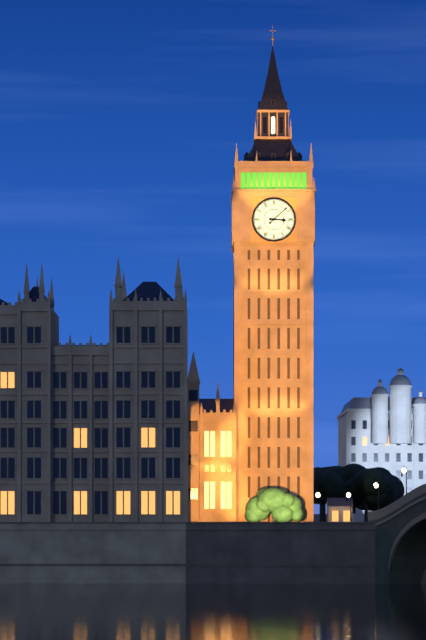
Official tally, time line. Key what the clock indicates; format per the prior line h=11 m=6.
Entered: h=3 m=8
